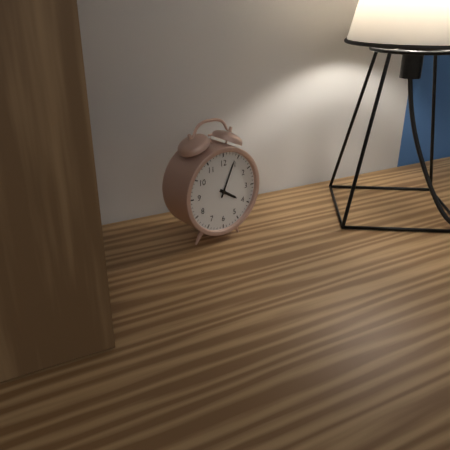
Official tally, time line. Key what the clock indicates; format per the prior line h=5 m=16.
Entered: h=4 m=4
